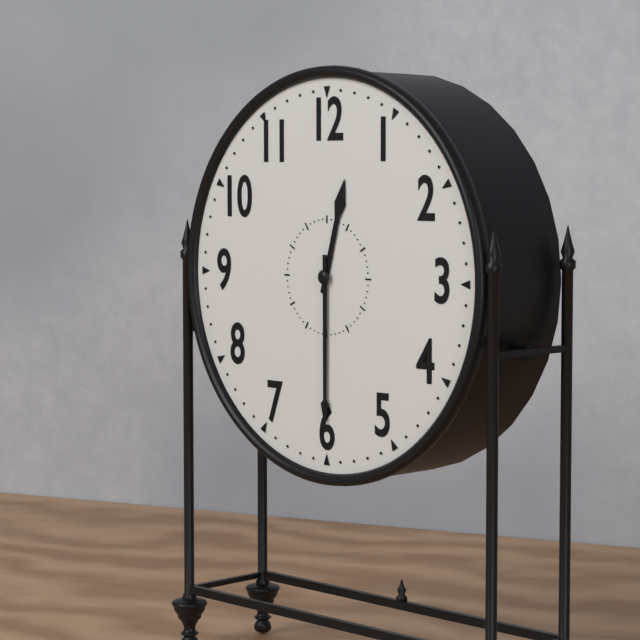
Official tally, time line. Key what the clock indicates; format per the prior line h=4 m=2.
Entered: h=12 m=30
